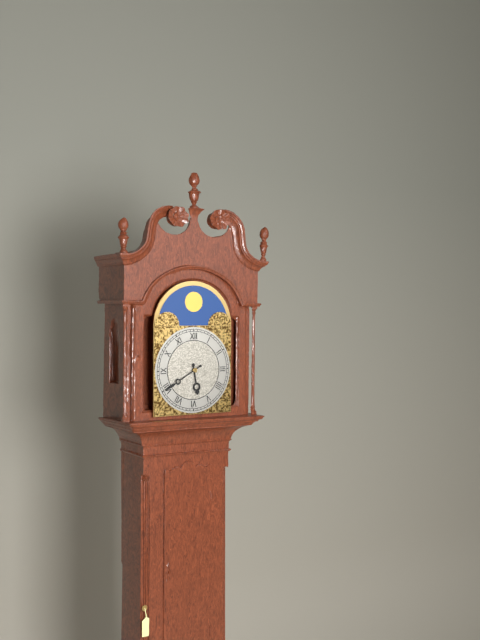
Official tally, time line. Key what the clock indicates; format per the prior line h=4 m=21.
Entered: h=5 m=40
